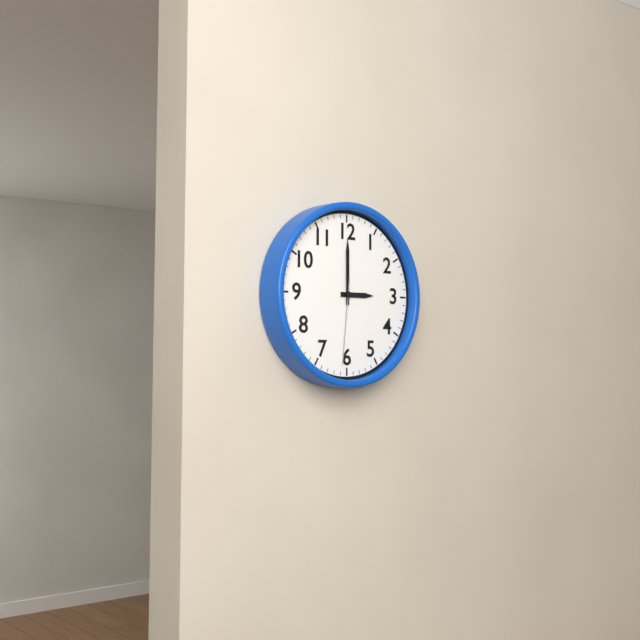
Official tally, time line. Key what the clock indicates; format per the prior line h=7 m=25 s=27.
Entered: h=3 m=0 s=31
